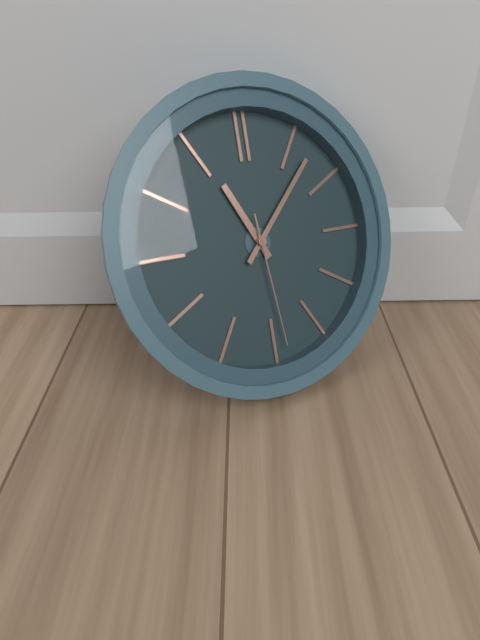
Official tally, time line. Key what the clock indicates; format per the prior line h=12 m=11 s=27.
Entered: h=11 m=7 s=29
